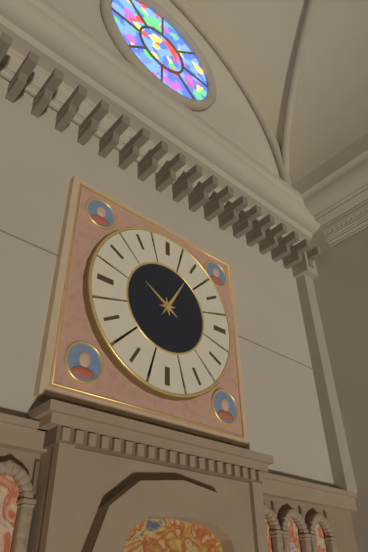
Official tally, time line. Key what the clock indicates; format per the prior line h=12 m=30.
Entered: h=10 m=5
